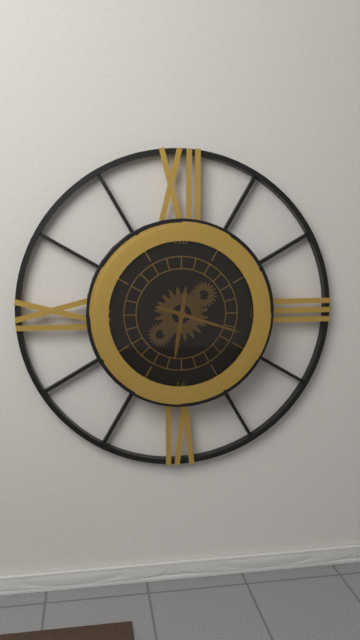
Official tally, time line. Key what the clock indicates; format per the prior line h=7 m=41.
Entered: h=6 m=18
